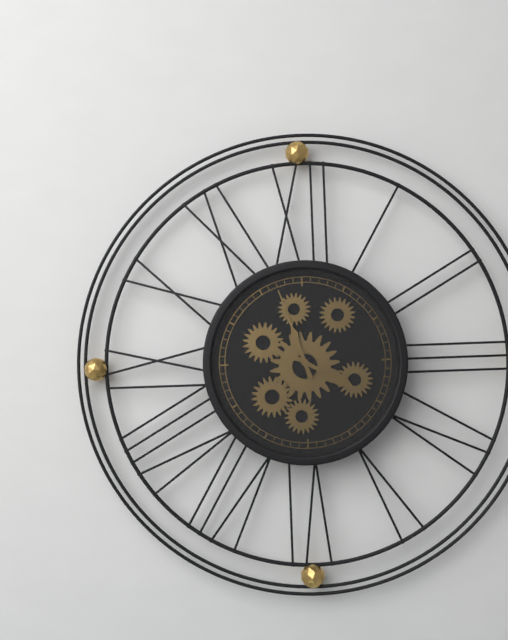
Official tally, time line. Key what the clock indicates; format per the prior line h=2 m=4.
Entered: h=3 m=57
